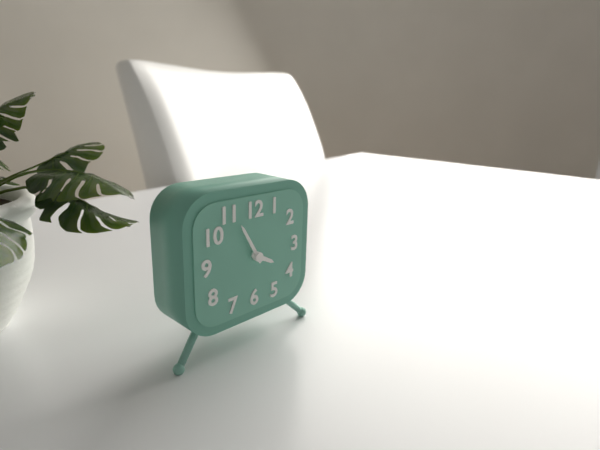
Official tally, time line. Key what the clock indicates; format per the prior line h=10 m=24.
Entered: h=3 m=55
